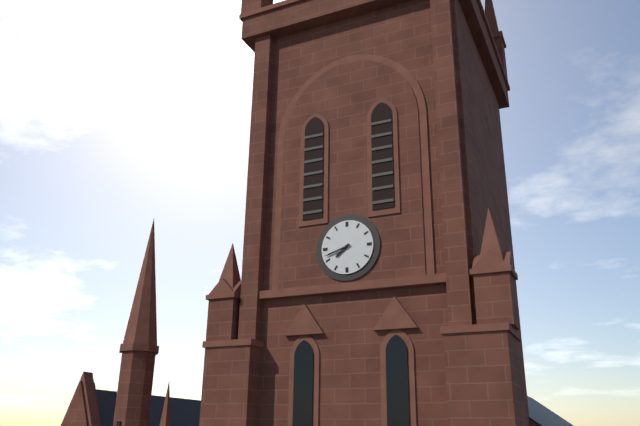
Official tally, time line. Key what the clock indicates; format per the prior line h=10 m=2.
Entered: h=7 m=42
